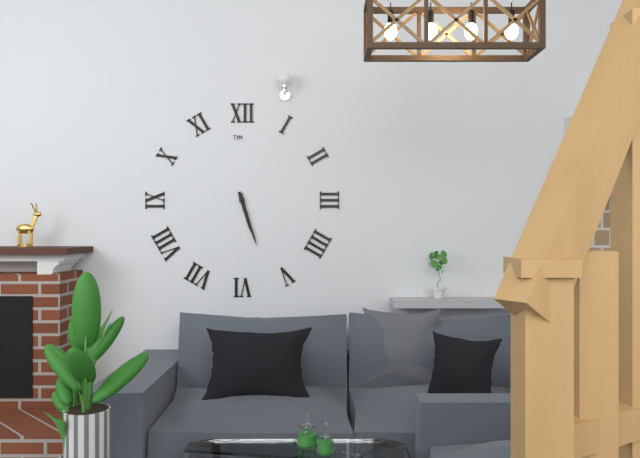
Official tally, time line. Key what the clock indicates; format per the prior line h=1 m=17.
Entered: h=5 m=27
